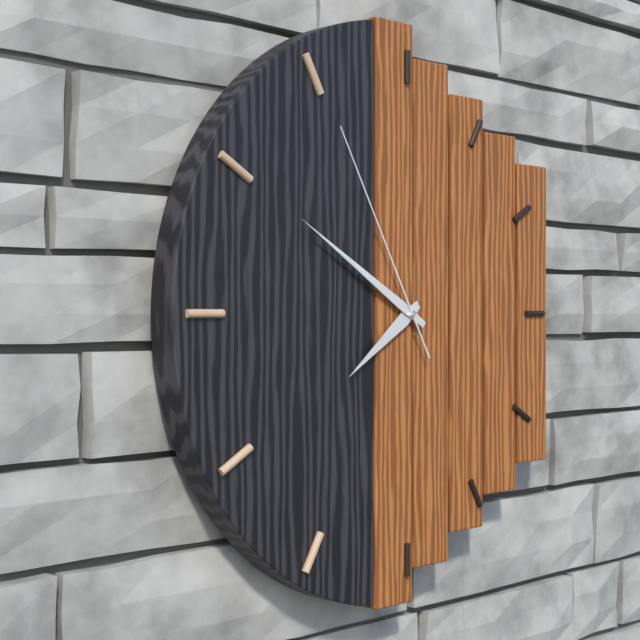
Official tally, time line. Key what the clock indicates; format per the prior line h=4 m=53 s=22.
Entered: h=7 m=50 s=55
